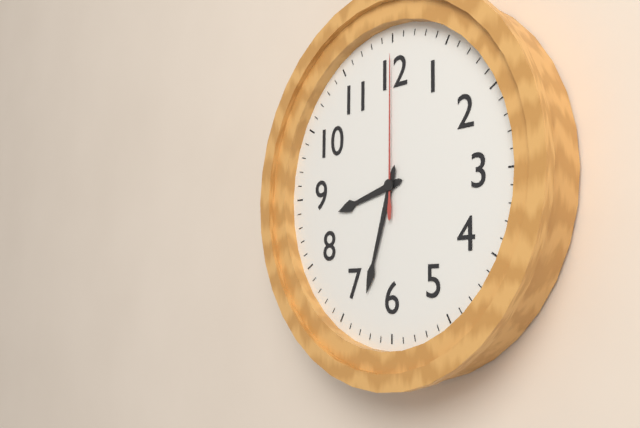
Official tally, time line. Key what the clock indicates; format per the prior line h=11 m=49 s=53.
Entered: h=8 m=33 s=0
